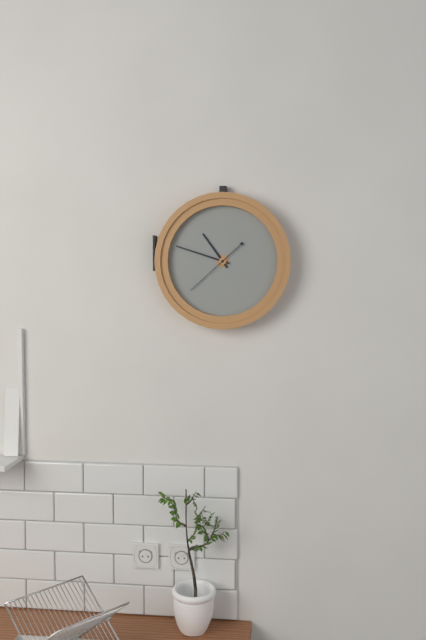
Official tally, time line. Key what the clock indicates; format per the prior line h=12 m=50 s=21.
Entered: h=10 m=48 s=38
